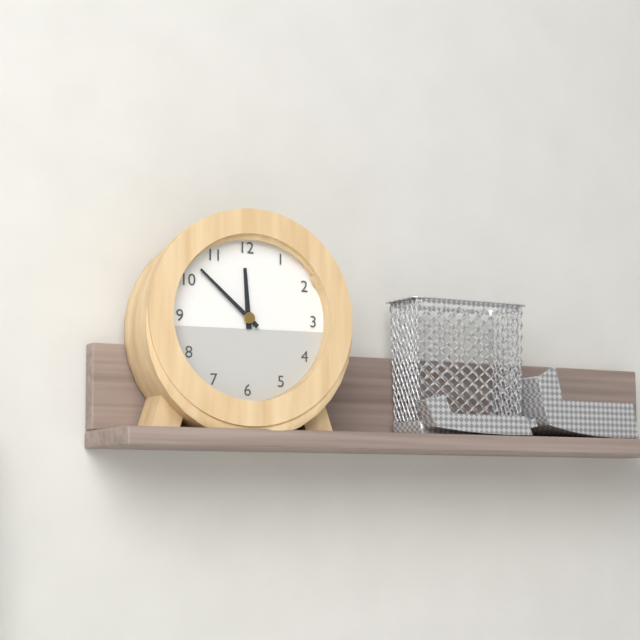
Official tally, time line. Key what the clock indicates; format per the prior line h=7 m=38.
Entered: h=11 m=52
